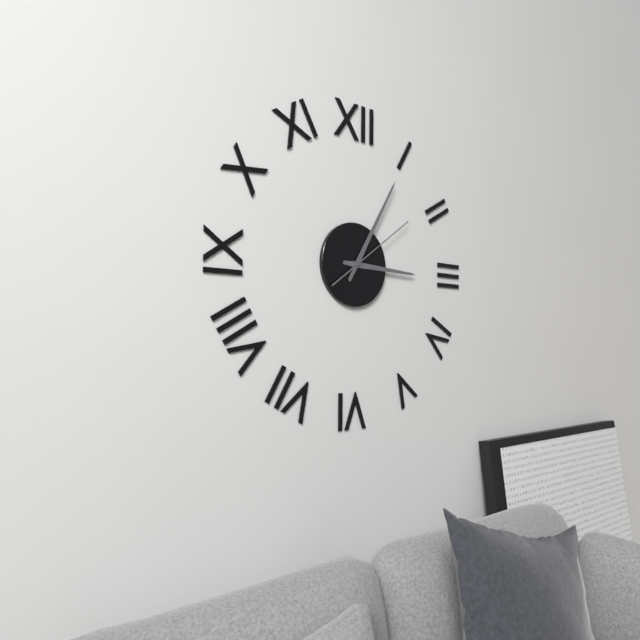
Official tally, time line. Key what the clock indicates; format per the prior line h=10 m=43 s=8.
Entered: h=3 m=5 s=9
